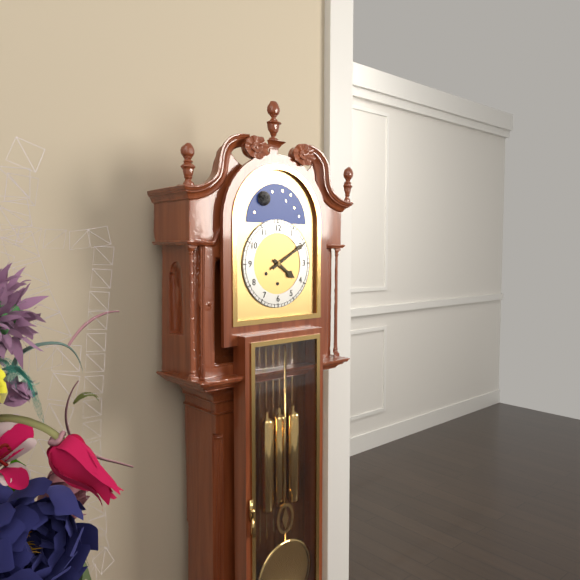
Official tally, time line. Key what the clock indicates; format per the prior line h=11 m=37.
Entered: h=4 m=10
